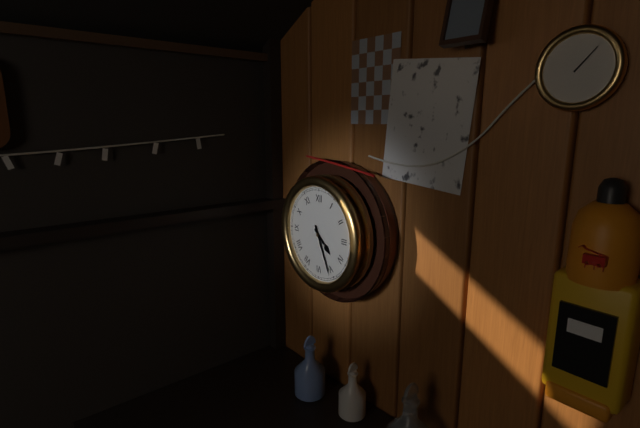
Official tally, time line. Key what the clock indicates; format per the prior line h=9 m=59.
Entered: h=4 m=26
